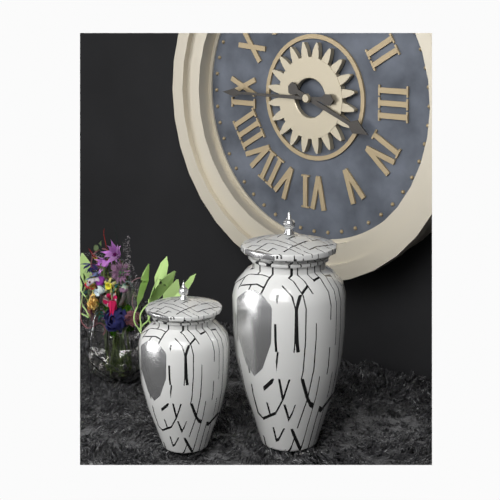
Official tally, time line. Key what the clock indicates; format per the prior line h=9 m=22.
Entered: h=3 m=45
